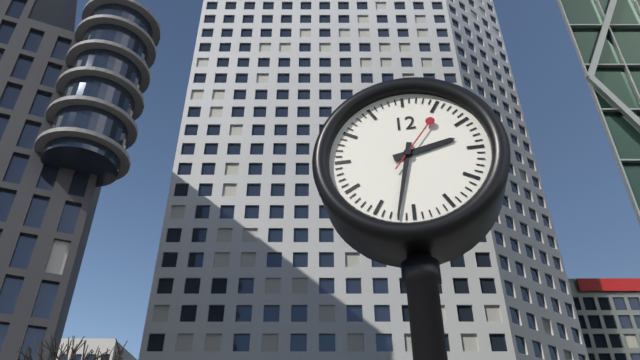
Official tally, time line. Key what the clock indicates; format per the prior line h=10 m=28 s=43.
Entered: h=2 m=32 s=6
